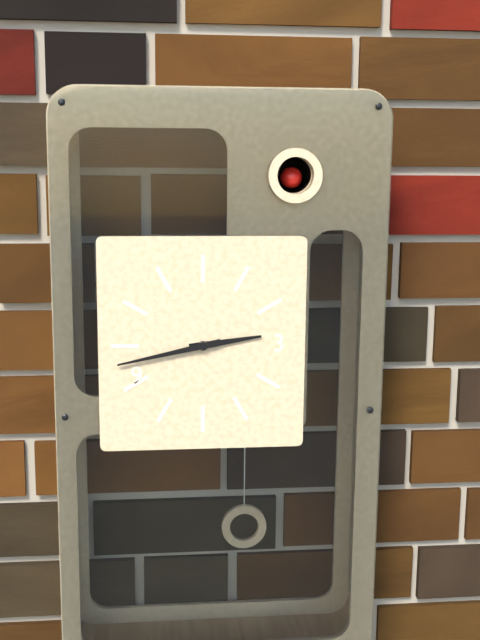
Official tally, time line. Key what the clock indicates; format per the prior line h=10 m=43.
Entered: h=2 m=43
